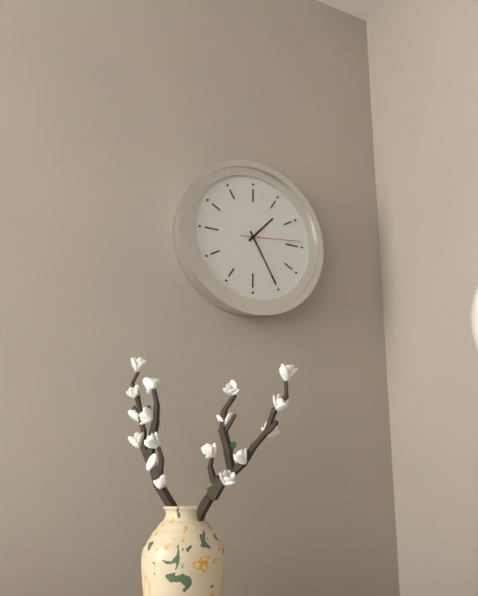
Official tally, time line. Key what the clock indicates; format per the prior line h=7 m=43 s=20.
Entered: h=1 m=25 s=14
